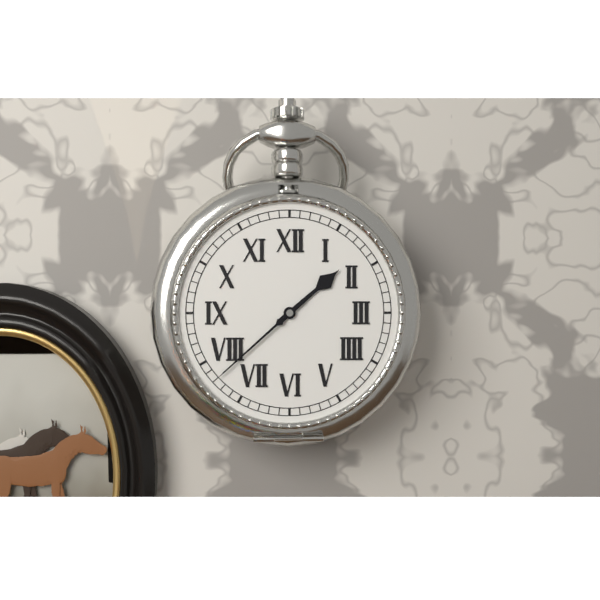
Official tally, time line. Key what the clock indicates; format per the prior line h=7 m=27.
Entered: h=1 m=38
